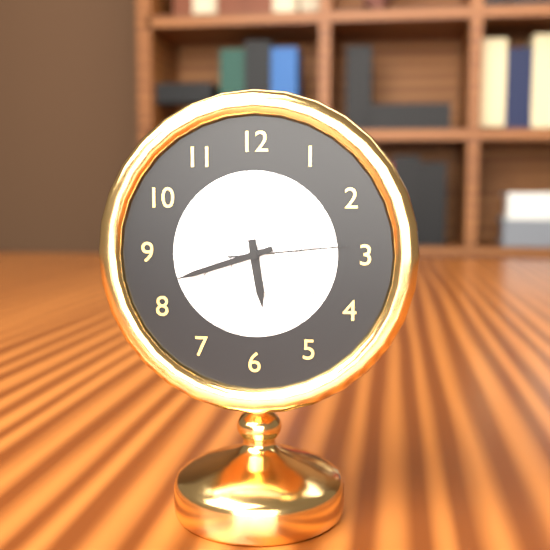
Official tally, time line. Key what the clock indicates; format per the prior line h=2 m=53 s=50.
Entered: h=5 m=42 s=14
